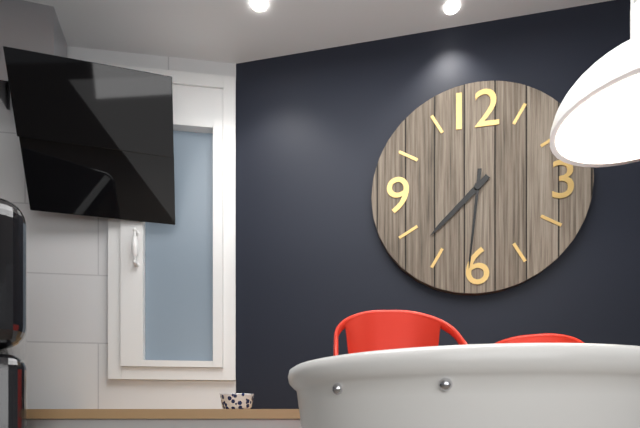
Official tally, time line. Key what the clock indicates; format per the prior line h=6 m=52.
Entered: h=7 m=31
